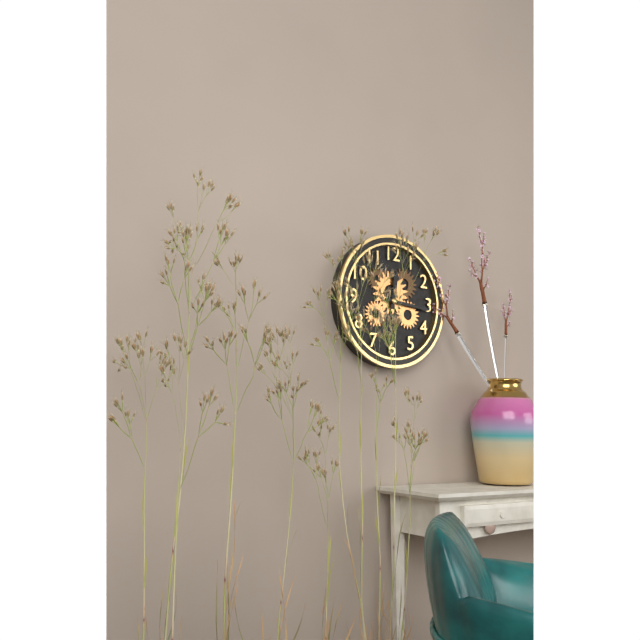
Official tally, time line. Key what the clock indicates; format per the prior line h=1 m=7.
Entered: h=12 m=16
